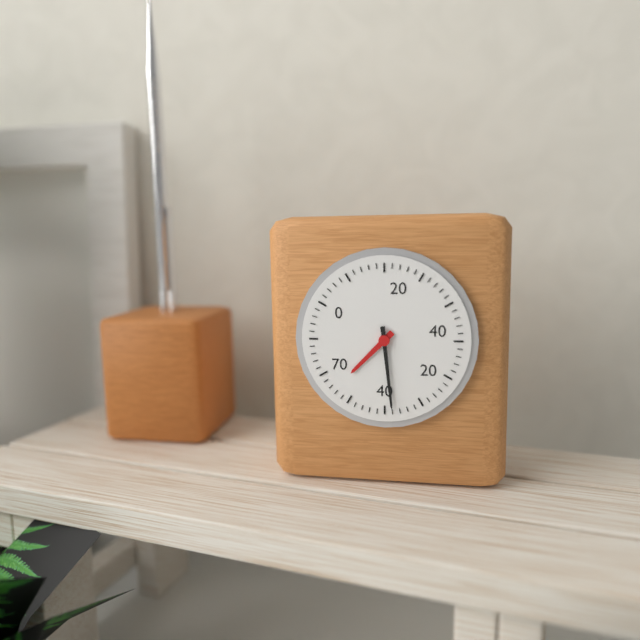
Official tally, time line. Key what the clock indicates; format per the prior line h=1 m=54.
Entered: h=7 m=29
